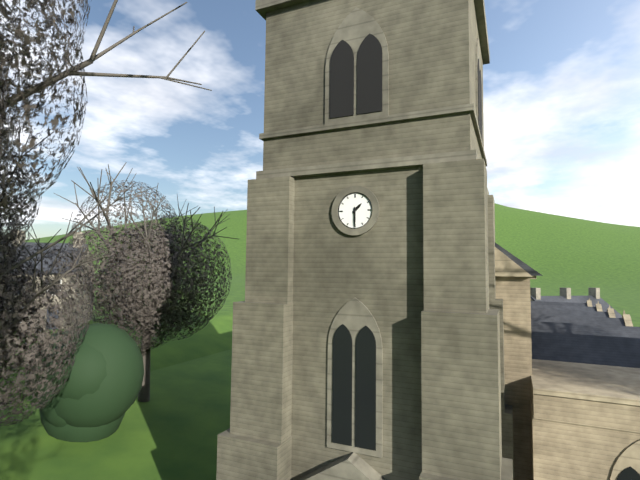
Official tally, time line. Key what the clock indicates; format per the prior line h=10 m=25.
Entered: h=1 m=30
